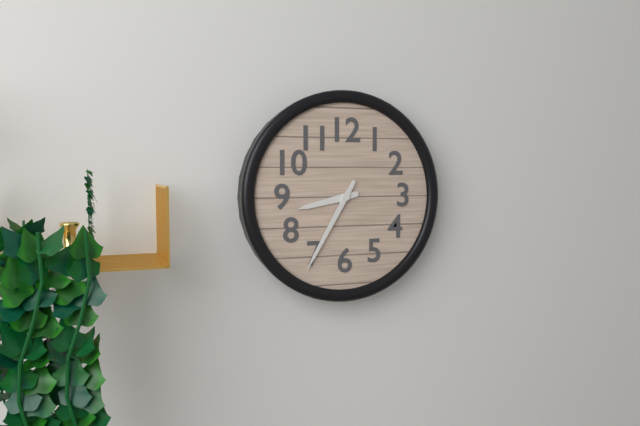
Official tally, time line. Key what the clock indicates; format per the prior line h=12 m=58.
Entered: h=8 m=35
